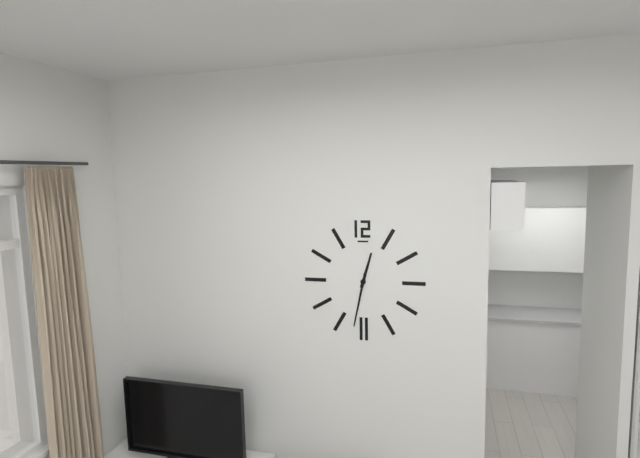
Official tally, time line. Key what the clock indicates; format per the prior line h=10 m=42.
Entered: h=12 m=32
